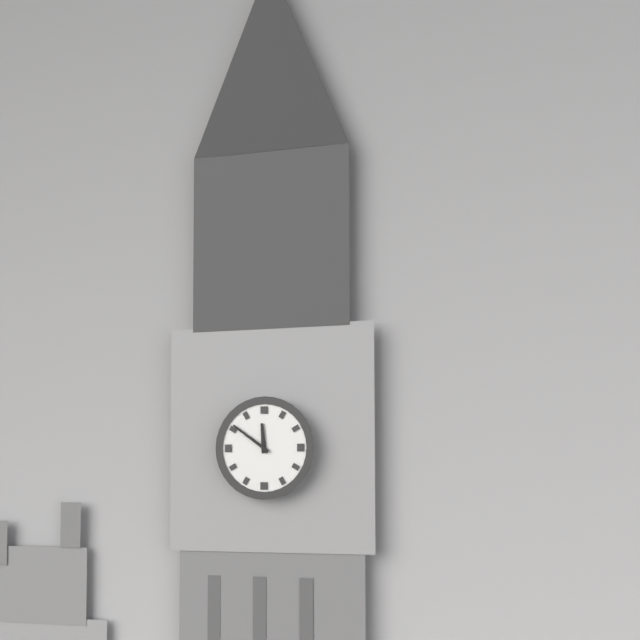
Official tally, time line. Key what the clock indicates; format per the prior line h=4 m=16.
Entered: h=11 m=51
